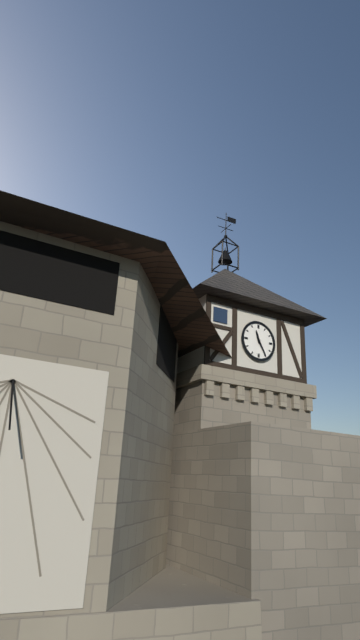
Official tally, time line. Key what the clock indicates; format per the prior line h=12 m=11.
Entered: h=11 m=25
